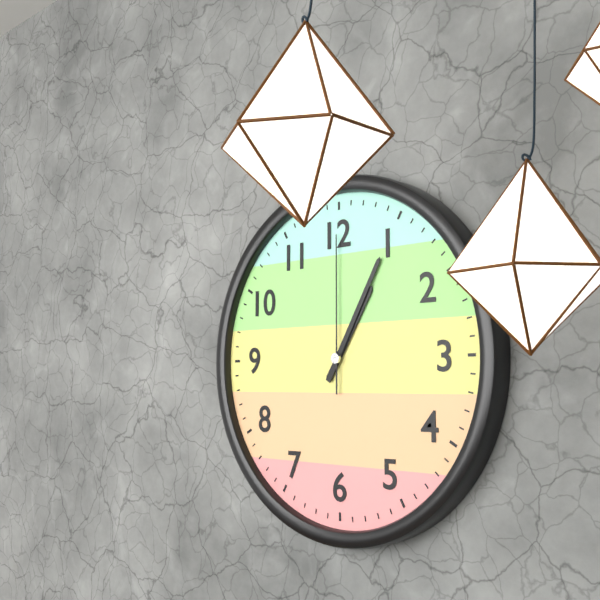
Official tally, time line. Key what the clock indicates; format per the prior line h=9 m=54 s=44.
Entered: h=1 m=5 s=0
